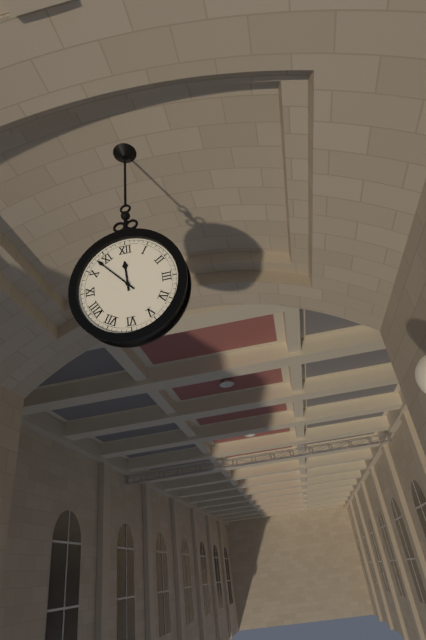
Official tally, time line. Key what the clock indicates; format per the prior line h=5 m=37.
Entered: h=11 m=53
